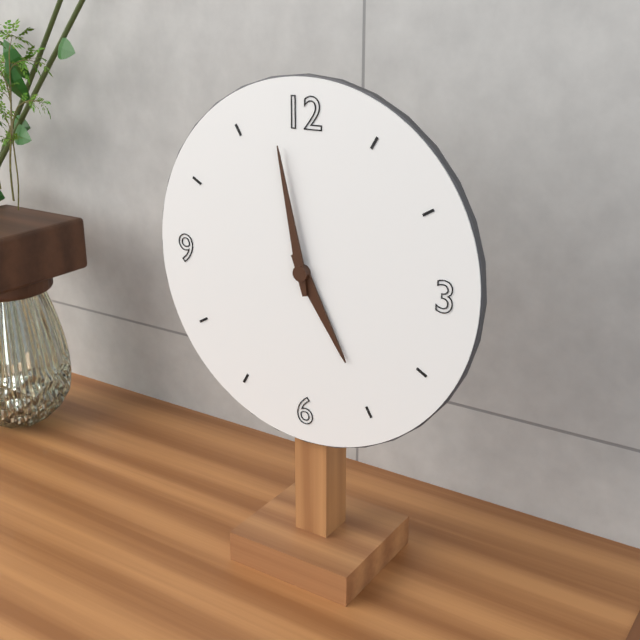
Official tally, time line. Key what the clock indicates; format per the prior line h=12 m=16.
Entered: h=4 m=58
